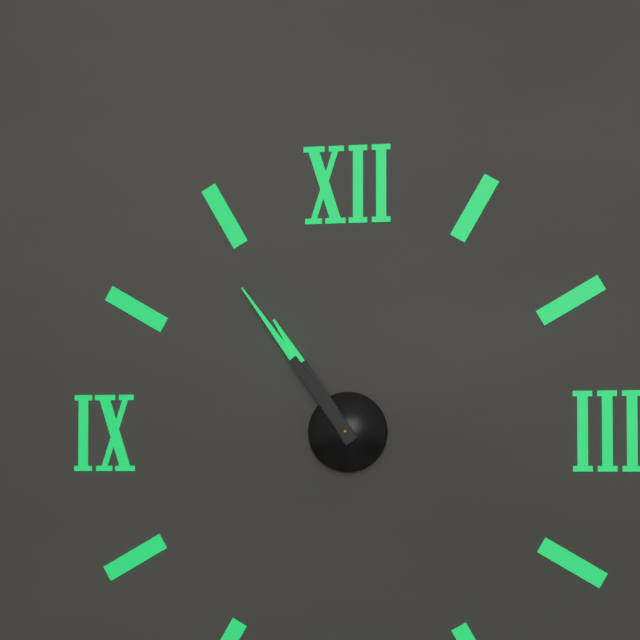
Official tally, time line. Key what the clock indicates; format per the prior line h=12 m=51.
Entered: h=10 m=54
